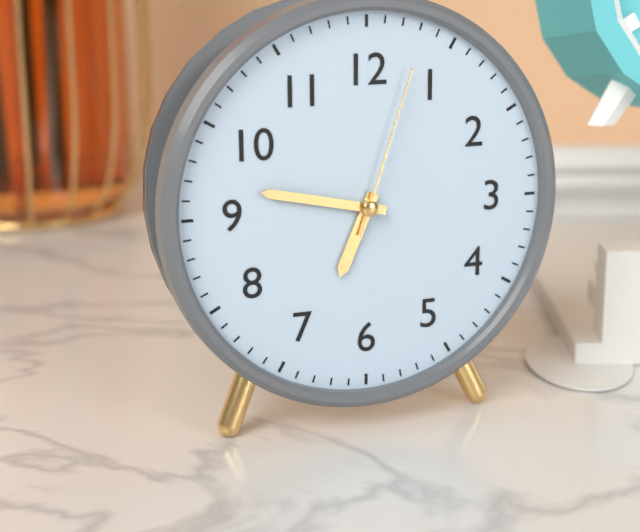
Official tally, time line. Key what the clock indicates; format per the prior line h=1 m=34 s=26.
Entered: h=6 m=47 s=3
